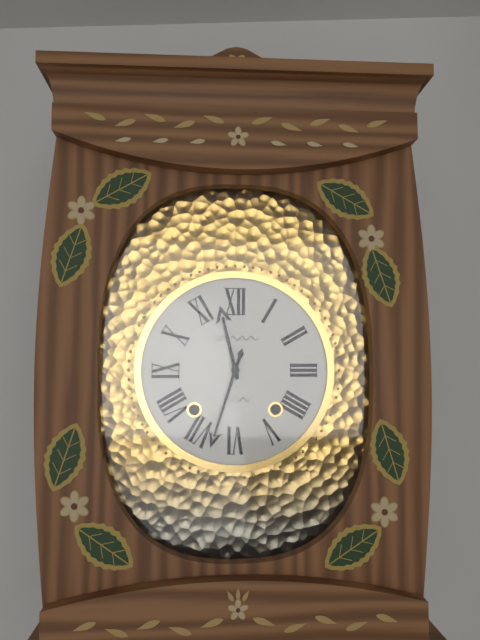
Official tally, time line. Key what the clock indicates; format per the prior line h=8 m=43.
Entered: h=11 m=33
